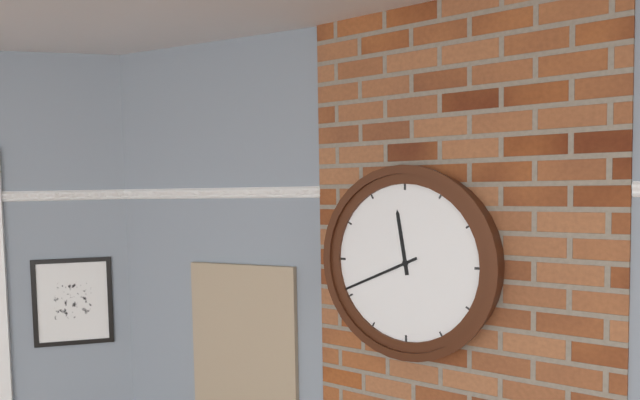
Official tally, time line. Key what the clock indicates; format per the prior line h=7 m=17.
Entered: h=11 m=41
